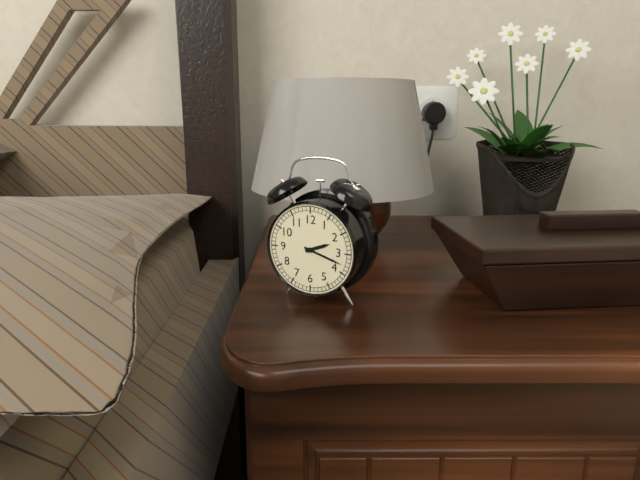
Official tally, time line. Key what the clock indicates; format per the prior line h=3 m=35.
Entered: h=2 m=18
